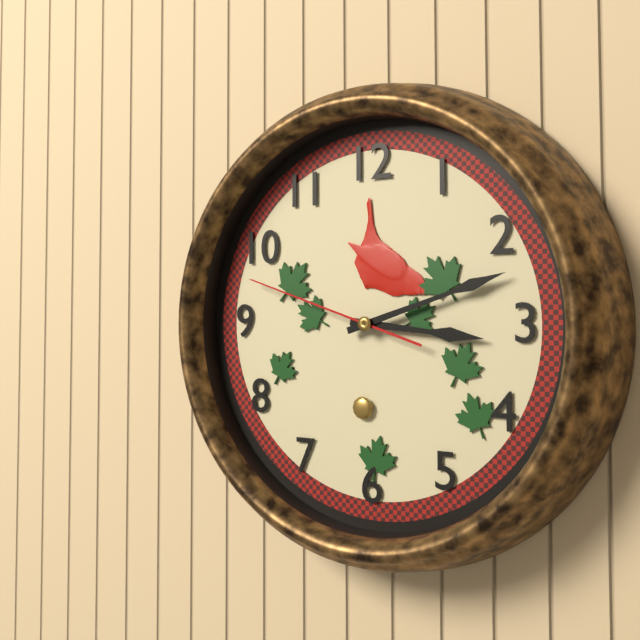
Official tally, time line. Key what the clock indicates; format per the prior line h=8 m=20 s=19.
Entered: h=3 m=12 s=48
